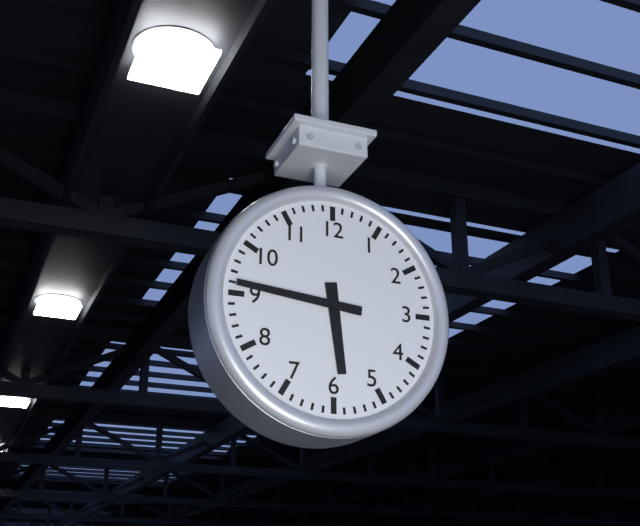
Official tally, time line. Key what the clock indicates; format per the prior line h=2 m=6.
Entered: h=5 m=46
